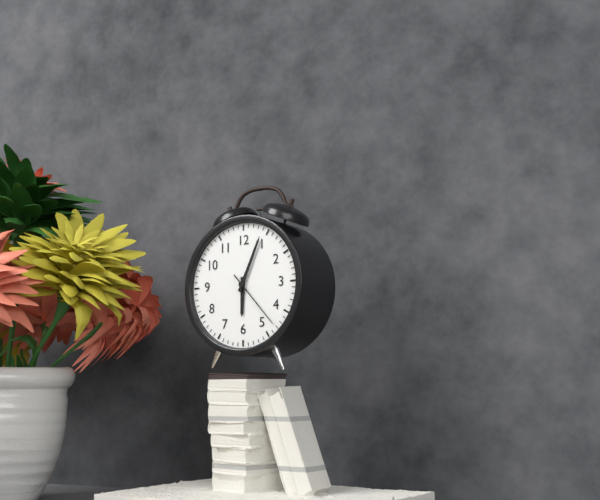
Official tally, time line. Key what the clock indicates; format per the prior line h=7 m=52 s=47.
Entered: h=6 m=4 s=23
